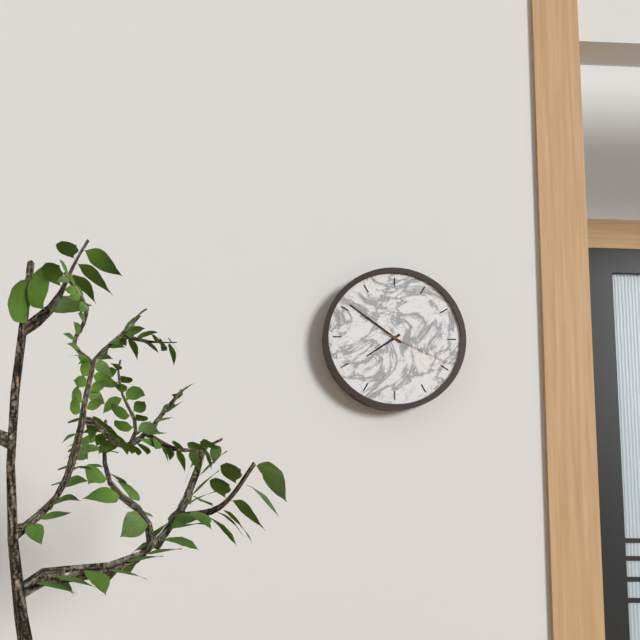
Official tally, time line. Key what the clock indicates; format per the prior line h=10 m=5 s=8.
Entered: h=7 m=51 s=19
